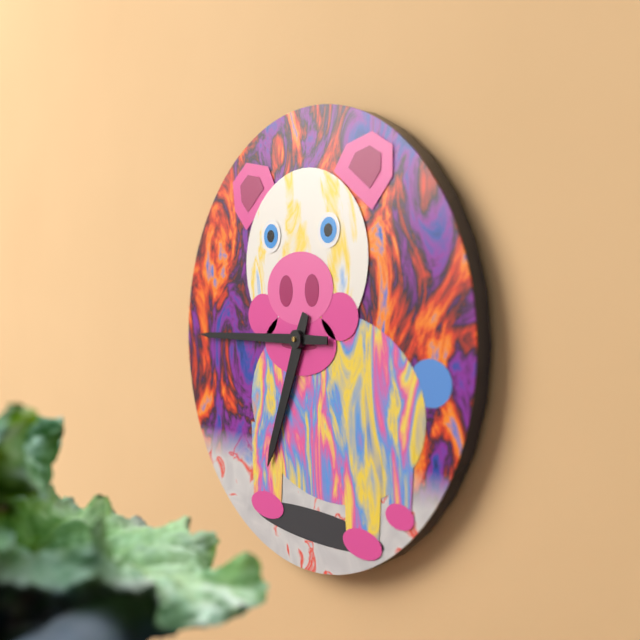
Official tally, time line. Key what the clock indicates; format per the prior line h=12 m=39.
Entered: h=6 m=45
